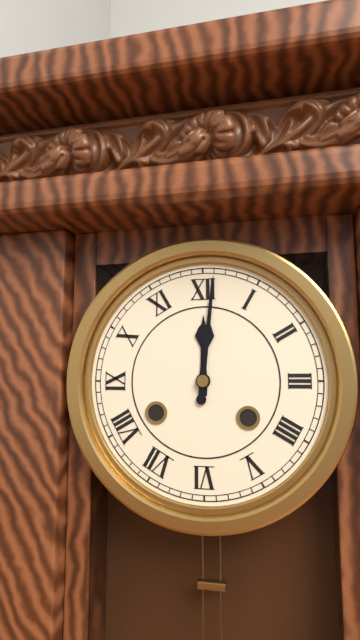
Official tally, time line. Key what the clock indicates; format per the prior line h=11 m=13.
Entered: h=12 m=1
